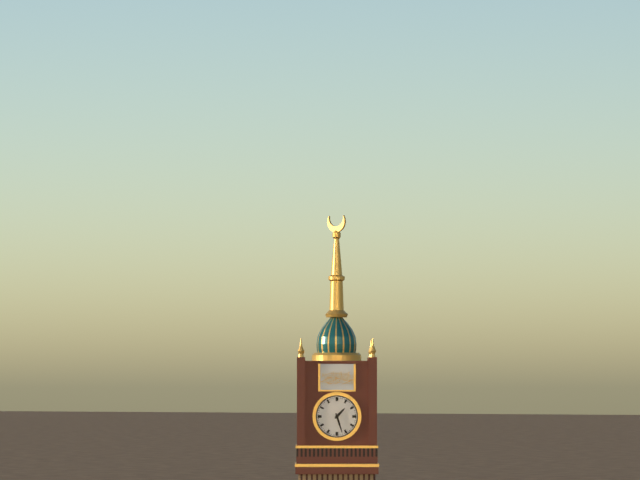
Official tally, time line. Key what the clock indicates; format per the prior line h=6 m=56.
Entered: h=1 m=27
